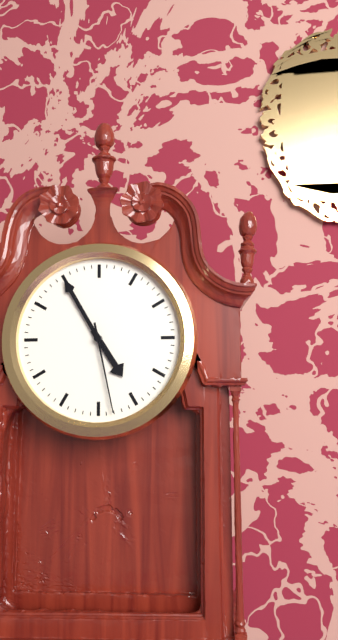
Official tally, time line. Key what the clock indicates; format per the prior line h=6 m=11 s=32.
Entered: h=4 m=55 s=28
